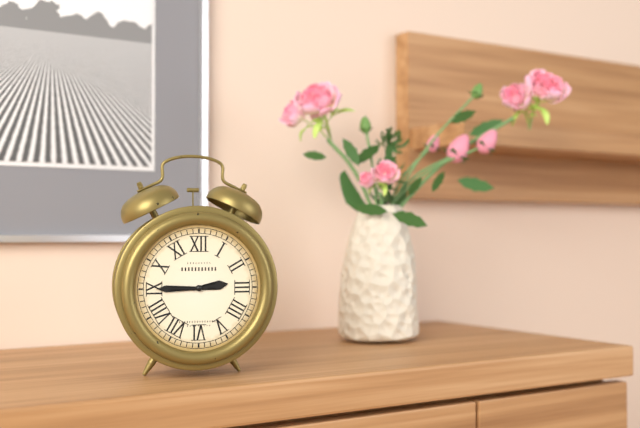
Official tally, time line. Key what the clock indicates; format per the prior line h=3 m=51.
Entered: h=2 m=45
